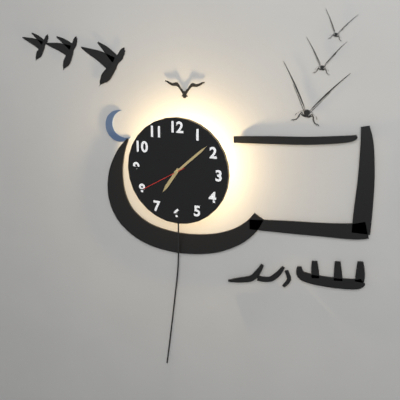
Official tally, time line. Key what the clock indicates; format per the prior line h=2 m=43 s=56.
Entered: h=7 m=8 s=40
